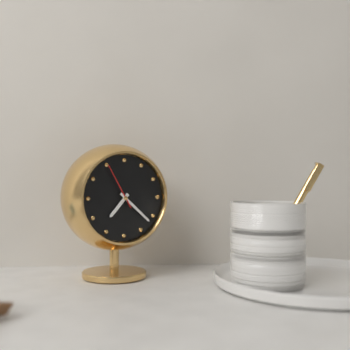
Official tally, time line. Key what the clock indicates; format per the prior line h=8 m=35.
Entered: h=7 m=22
